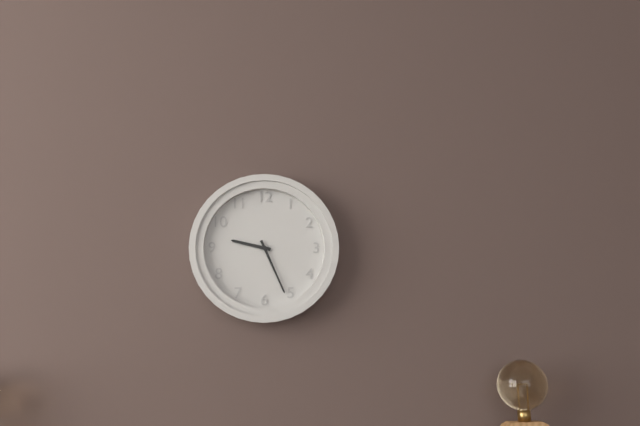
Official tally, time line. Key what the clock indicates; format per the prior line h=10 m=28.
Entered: h=9 m=26
